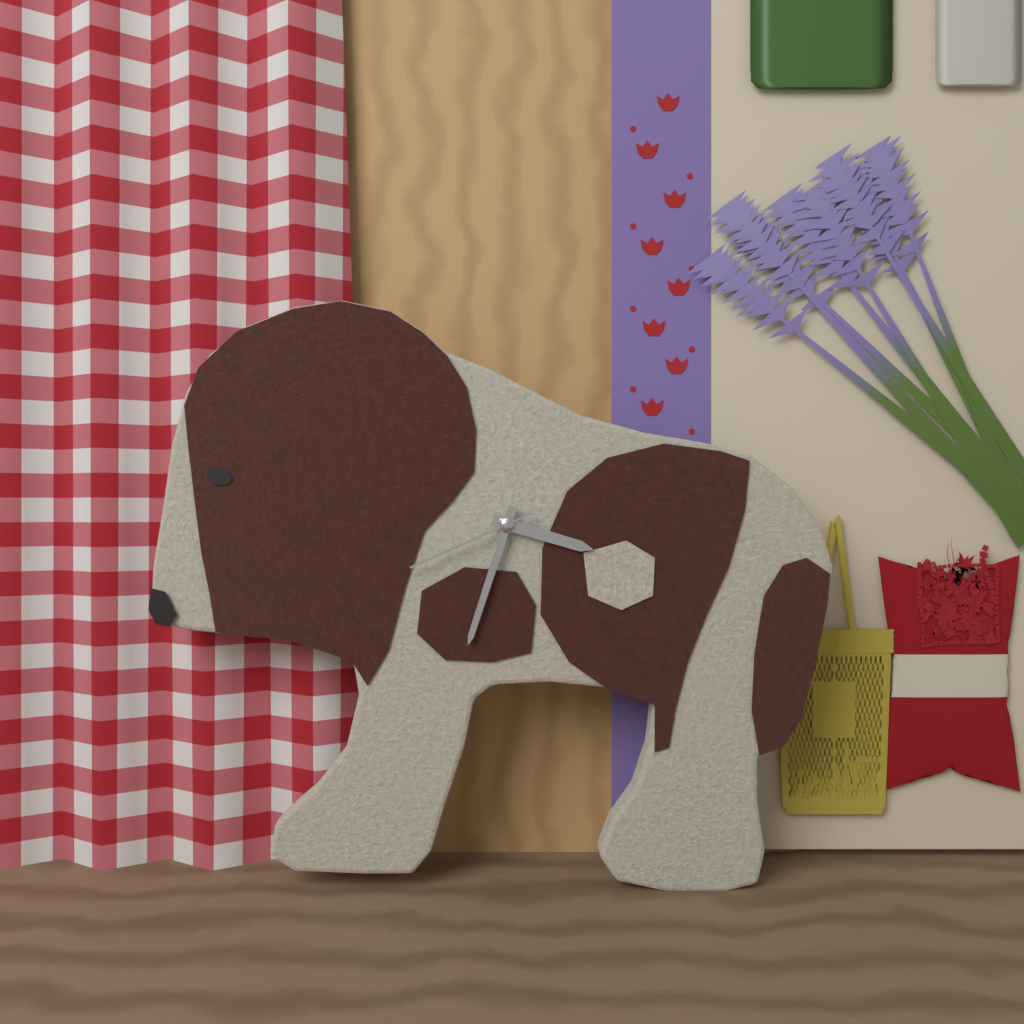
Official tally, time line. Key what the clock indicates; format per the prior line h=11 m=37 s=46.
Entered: h=3 m=33 s=41
